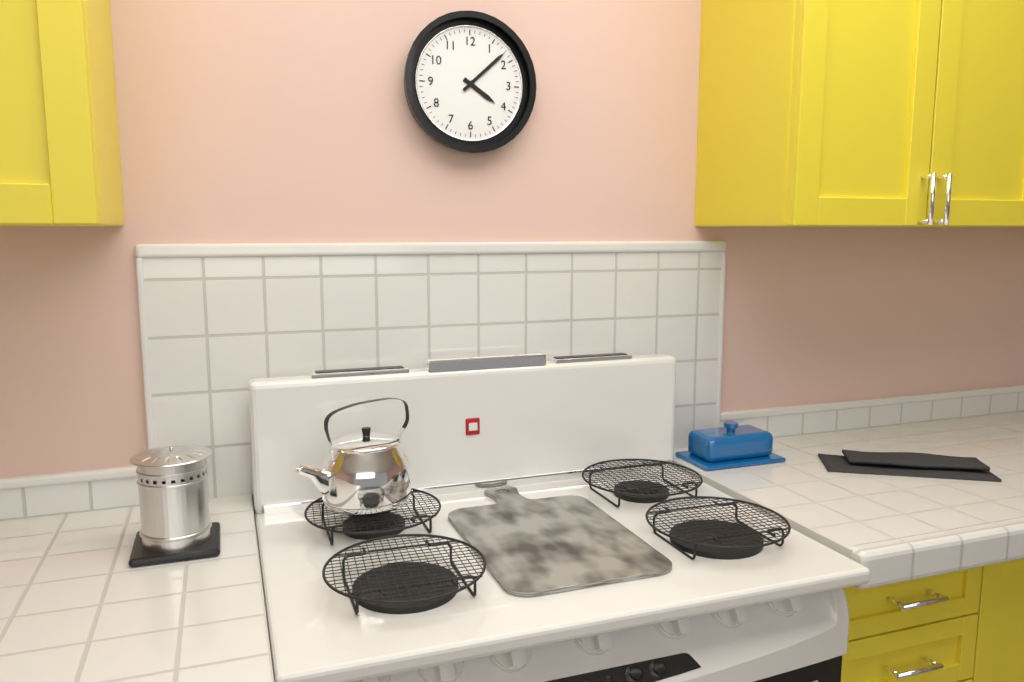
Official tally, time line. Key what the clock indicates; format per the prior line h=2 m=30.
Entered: h=4 m=8
